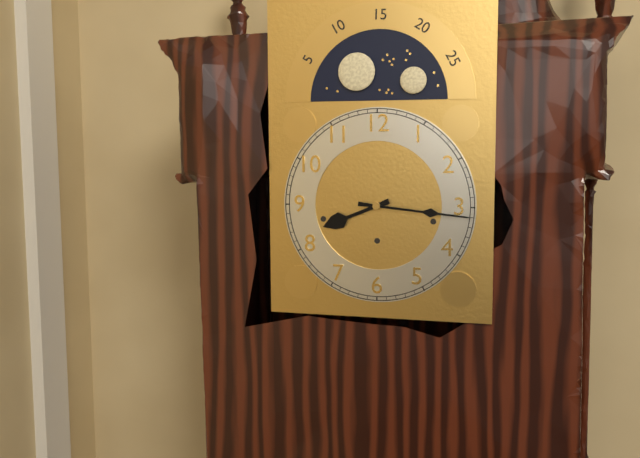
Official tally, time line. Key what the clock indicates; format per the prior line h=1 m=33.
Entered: h=8 m=16
